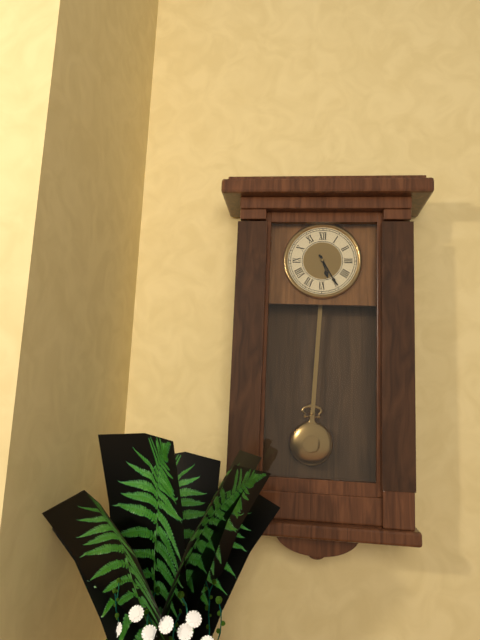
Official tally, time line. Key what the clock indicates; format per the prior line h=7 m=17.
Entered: h=5 m=25
